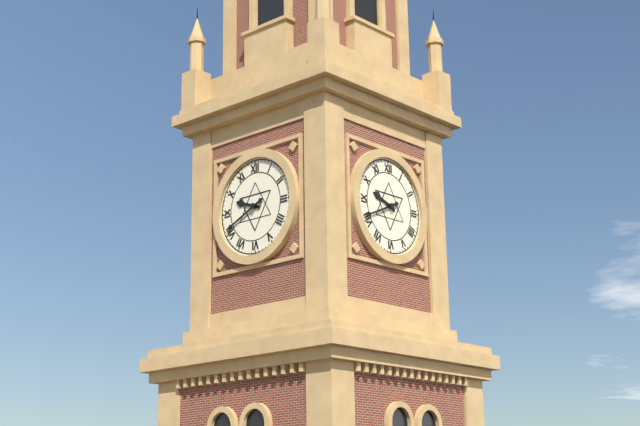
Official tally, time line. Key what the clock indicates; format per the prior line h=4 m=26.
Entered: h=9 m=41
